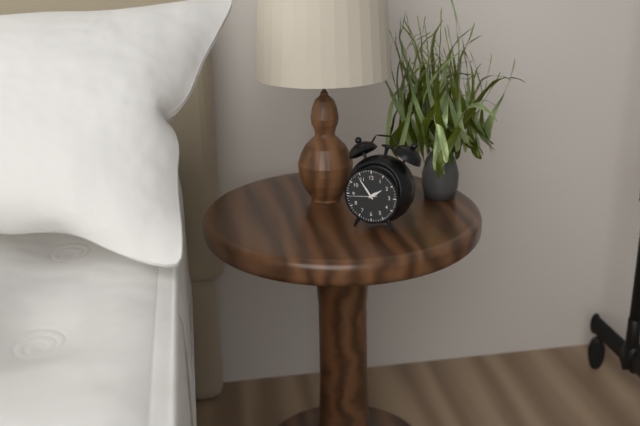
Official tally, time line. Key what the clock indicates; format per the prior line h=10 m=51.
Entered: h=1 m=54
